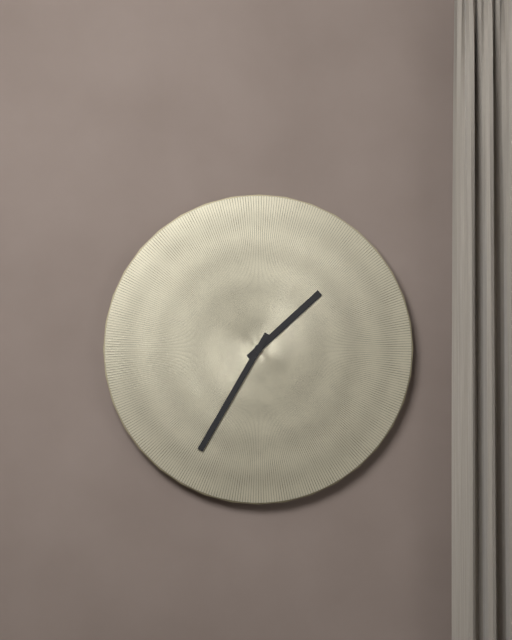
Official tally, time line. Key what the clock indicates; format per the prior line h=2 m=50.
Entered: h=1 m=35
